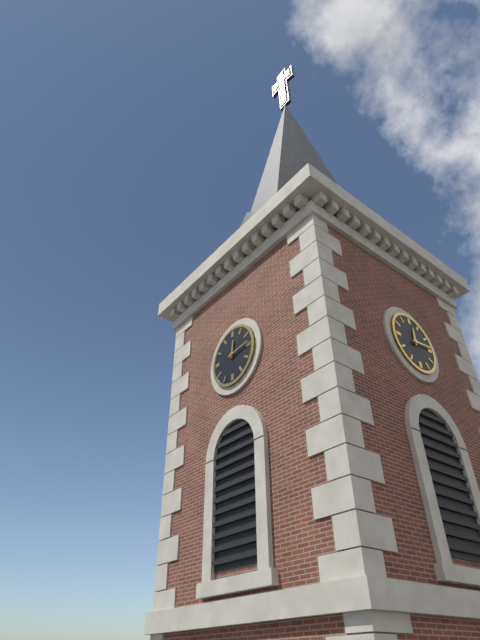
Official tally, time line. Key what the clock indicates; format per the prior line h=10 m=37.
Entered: h=12 m=14
